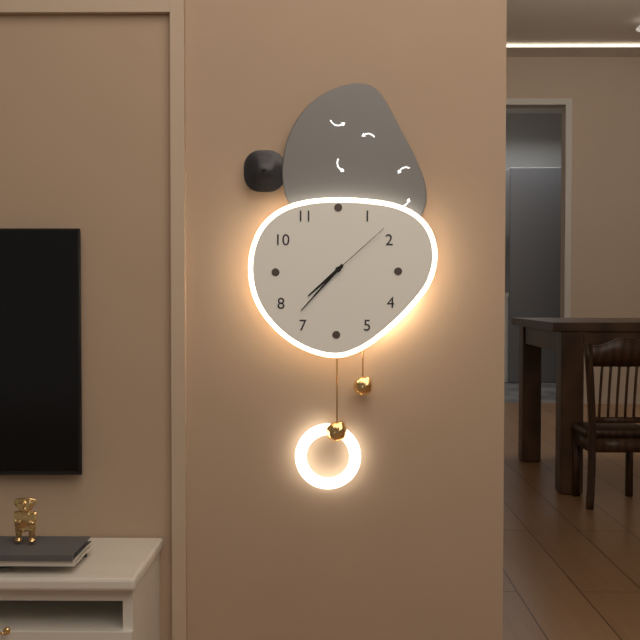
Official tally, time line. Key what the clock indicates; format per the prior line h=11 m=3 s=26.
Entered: h=7 m=37 s=8
